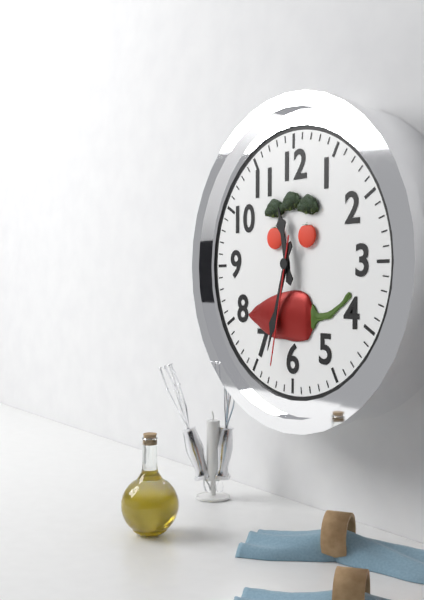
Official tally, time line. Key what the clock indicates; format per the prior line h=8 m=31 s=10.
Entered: h=11 m=33 s=32
